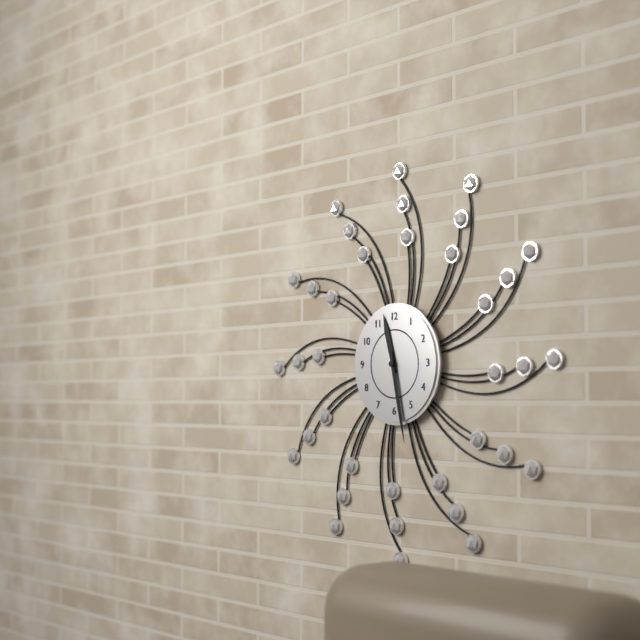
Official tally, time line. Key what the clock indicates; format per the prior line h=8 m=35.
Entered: h=11 m=28
